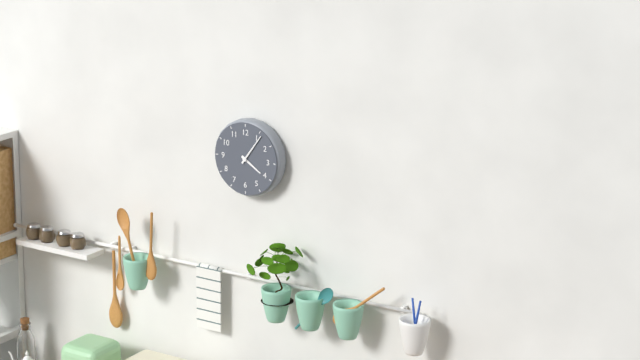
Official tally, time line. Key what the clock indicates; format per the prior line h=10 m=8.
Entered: h=4 m=6
